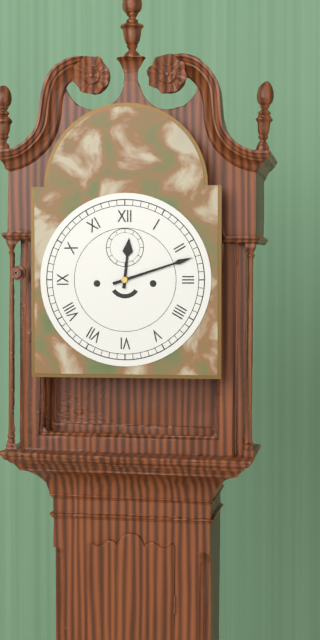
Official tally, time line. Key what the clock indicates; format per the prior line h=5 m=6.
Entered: h=12 m=12
